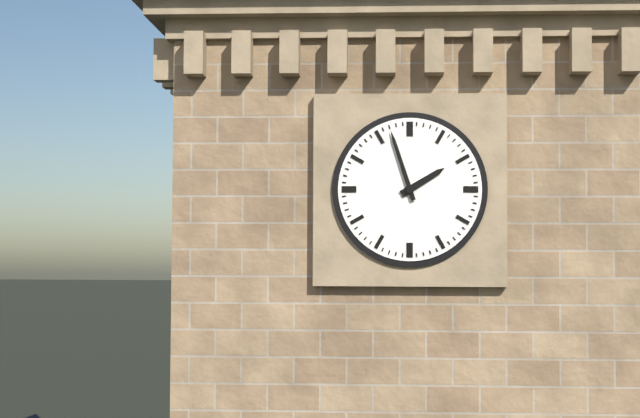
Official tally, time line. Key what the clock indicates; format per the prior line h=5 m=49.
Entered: h=1 m=57
